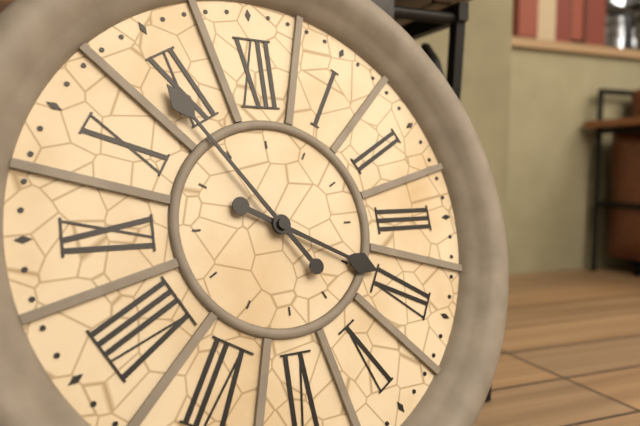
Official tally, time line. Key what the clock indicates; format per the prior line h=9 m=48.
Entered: h=3 m=54
